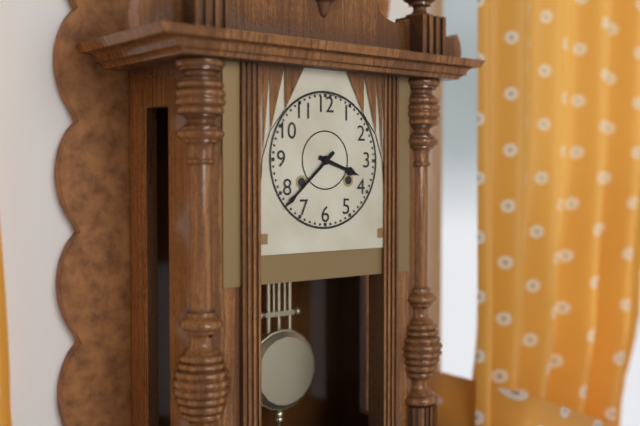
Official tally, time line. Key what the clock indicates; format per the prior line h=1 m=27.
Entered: h=3 m=38
